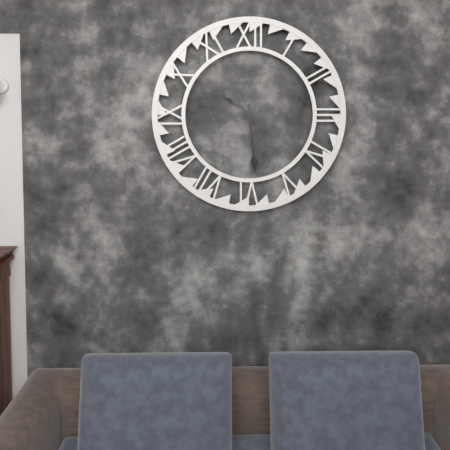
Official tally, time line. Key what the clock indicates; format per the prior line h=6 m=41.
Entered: h=10 m=29
